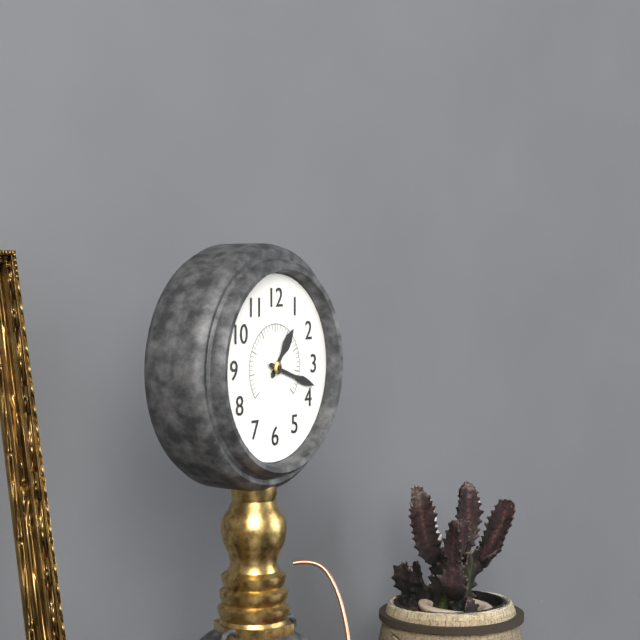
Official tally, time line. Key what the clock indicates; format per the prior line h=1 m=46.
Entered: h=1 m=18
